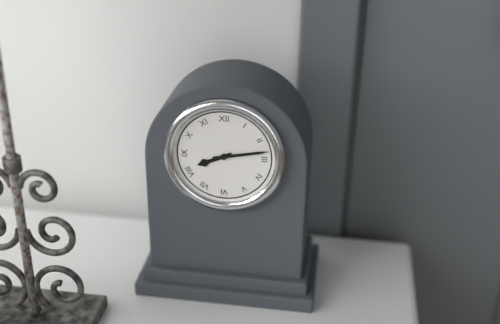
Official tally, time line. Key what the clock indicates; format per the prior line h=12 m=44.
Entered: h=8 m=13
